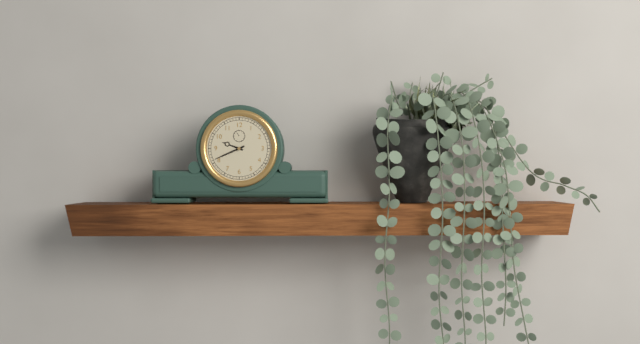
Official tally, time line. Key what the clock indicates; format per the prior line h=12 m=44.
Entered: h=9 m=41
